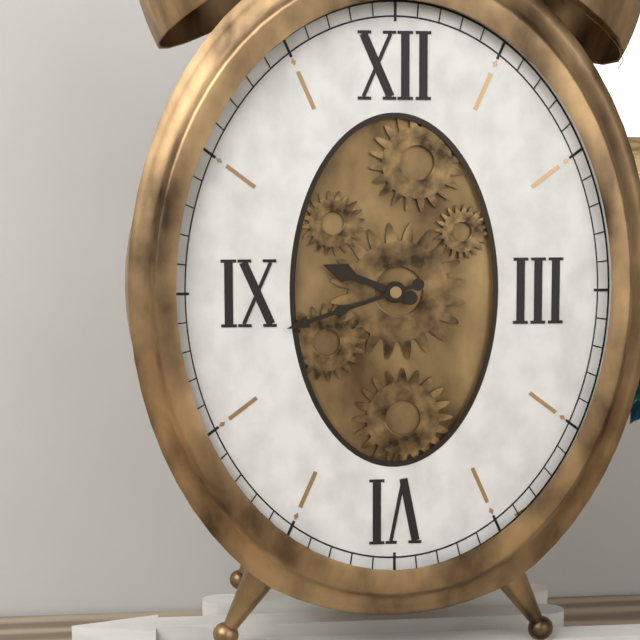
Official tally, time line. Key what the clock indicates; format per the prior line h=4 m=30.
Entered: h=9 m=42
